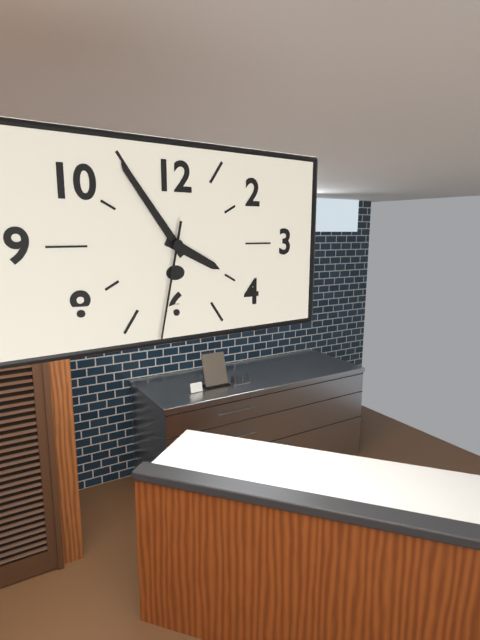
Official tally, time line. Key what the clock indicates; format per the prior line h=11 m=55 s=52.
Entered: h=3 m=54 s=32
